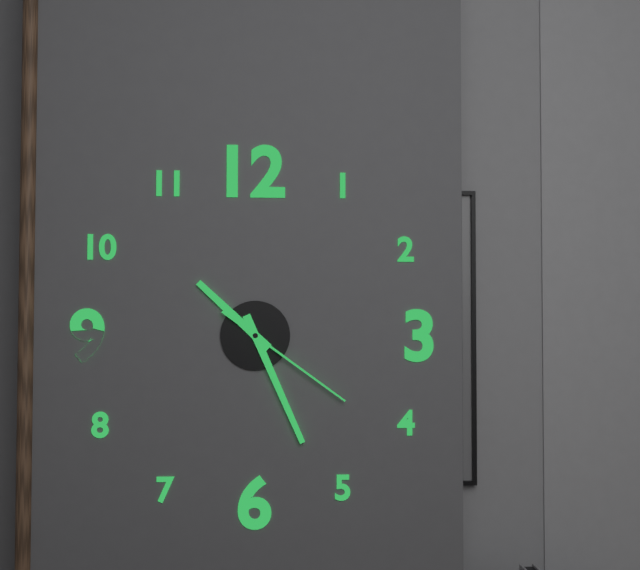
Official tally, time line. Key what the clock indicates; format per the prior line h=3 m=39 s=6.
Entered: h=10 m=26 s=21
